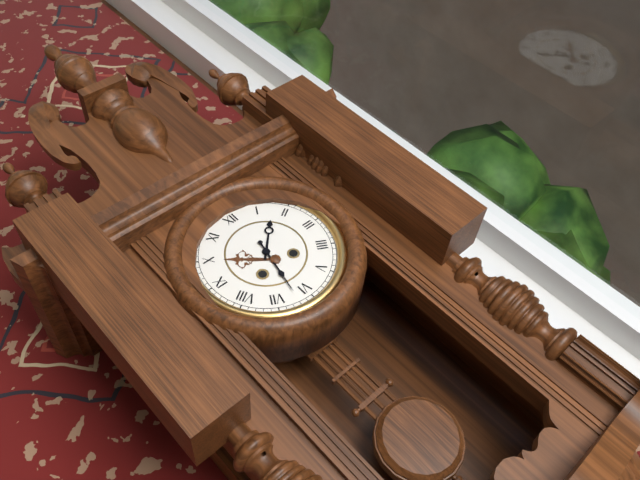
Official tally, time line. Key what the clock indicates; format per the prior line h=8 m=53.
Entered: h=1 m=32
